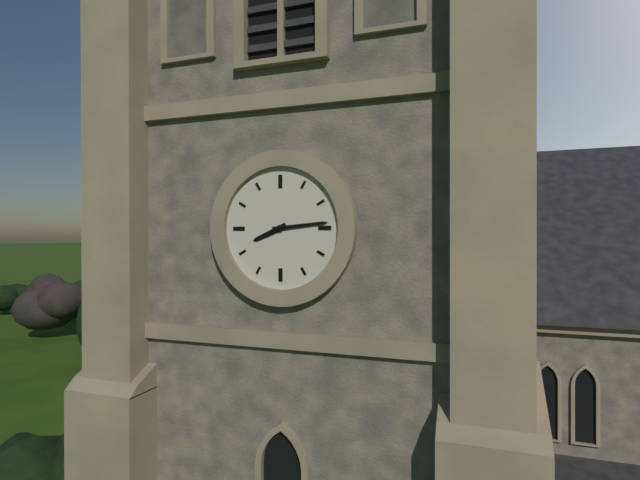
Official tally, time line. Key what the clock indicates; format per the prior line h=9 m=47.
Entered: h=8 m=14
